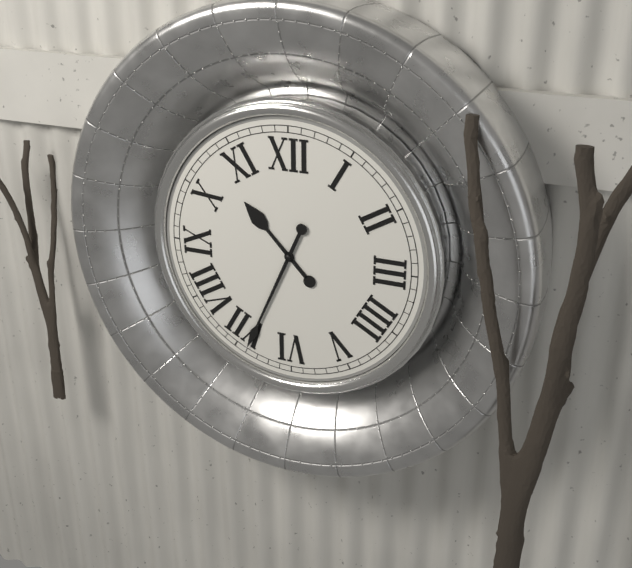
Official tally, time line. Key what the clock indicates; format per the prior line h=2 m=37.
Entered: h=10 m=34
